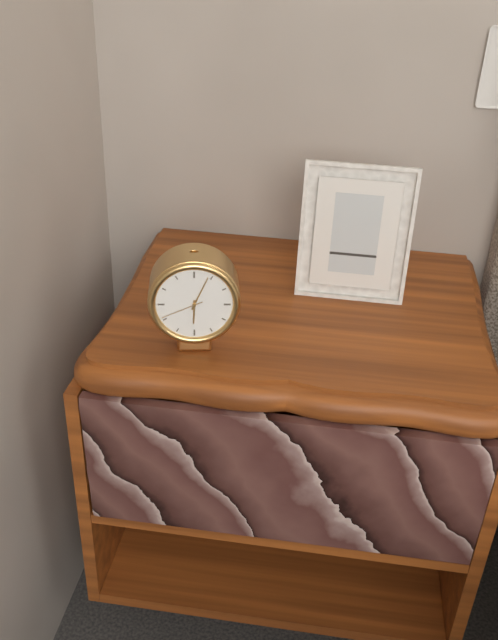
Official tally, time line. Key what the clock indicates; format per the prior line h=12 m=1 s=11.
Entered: h=6 m=4 s=41
